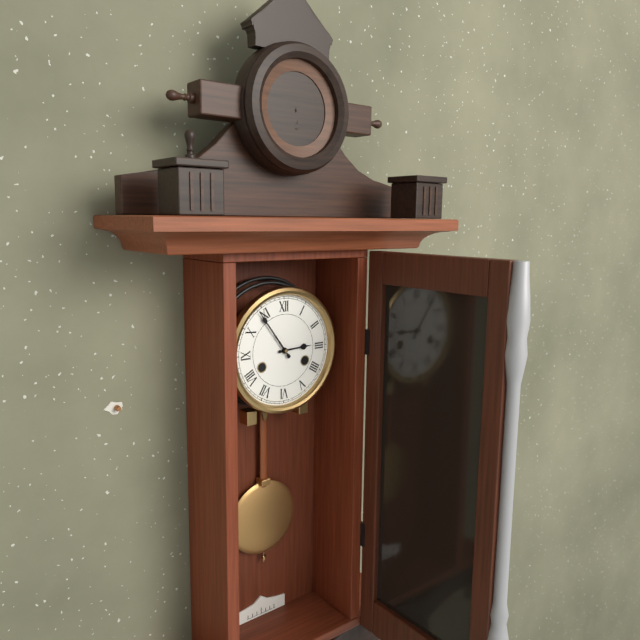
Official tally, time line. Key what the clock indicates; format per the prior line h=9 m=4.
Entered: h=2 m=54
